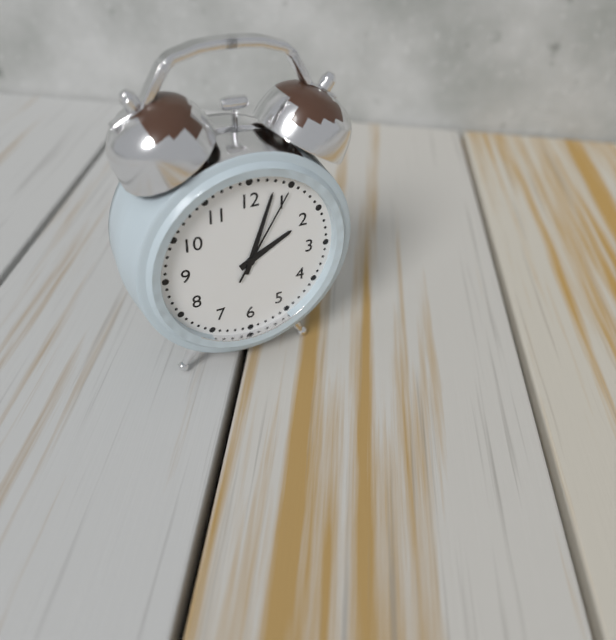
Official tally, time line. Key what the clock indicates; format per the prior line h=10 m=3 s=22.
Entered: h=2 m=3 s=5
